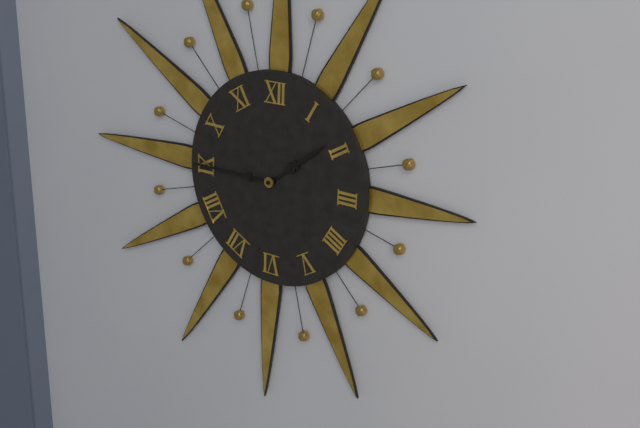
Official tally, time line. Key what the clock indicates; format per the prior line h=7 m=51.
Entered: h=1 m=45
